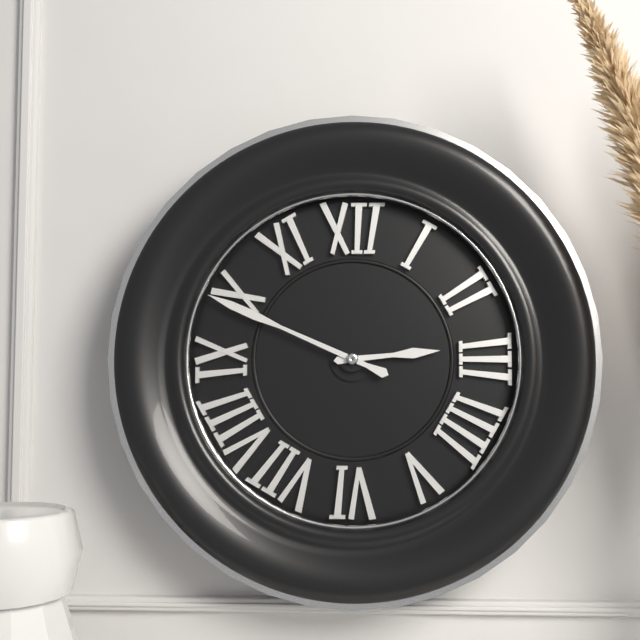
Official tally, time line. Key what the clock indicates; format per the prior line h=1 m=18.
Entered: h=2 m=49
